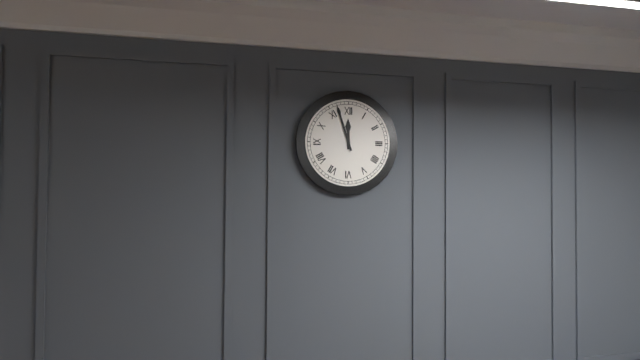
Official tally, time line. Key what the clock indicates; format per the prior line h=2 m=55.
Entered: h=11 m=57
